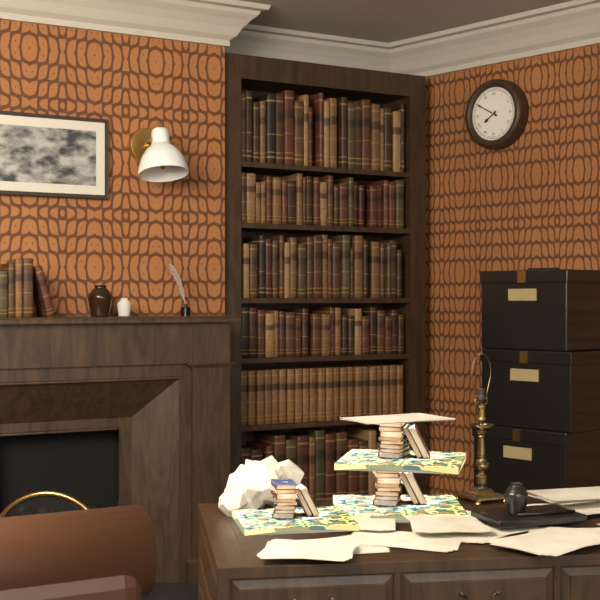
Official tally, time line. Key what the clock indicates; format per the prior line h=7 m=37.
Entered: h=7 m=50
